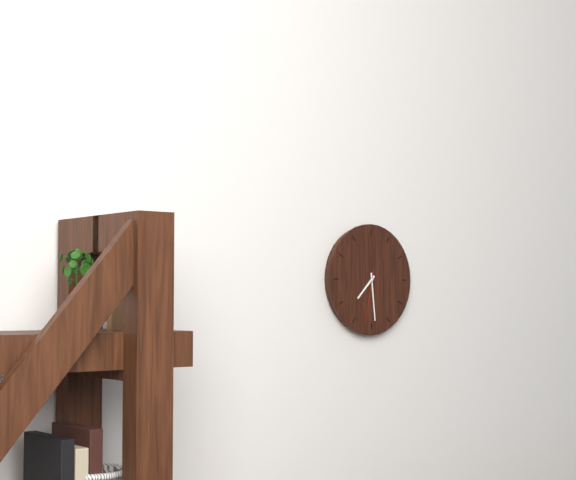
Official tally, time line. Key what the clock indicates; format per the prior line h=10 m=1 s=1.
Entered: h=7 m=29 s=32
